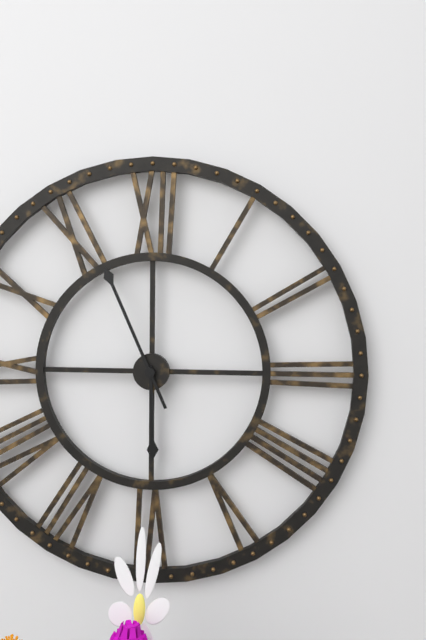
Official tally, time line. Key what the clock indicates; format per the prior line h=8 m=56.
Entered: h=5 m=56
